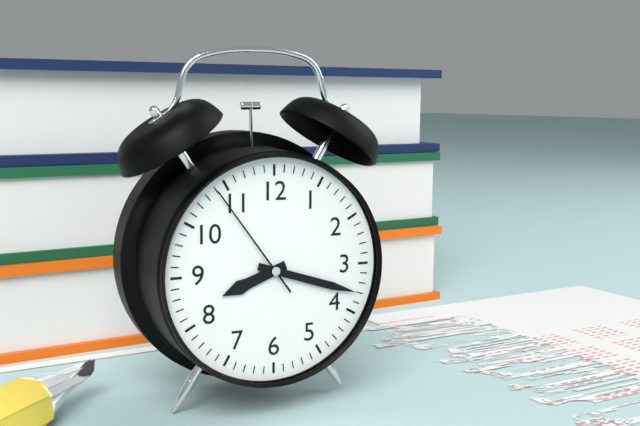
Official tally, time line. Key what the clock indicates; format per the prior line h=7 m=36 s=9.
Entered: h=8 m=18 s=54
